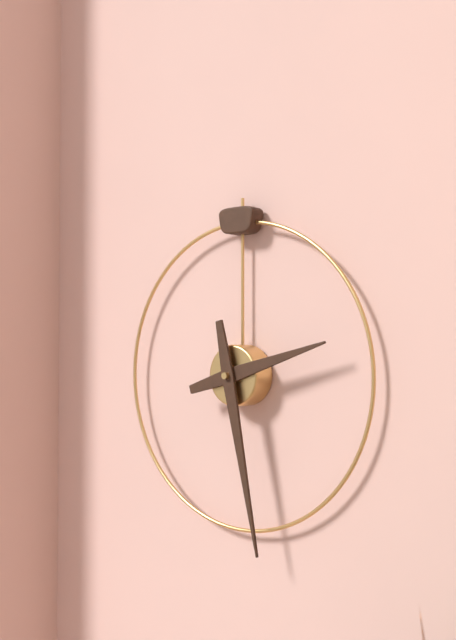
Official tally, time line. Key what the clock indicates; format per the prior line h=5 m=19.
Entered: h=2 m=28
